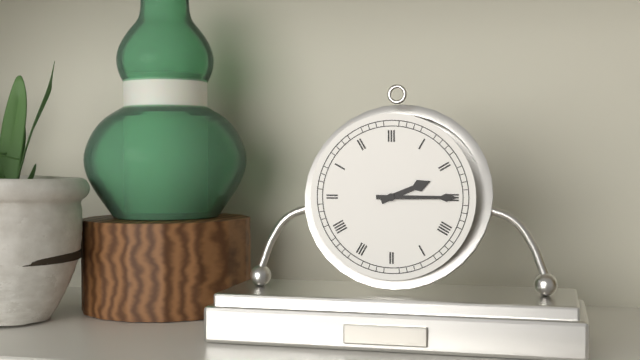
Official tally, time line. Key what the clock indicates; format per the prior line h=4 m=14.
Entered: h=2 m=15
